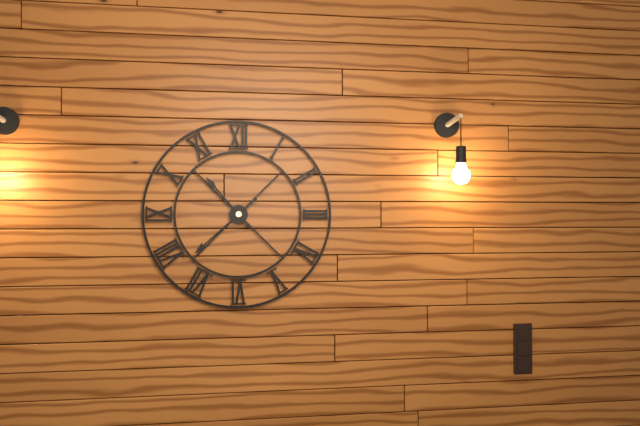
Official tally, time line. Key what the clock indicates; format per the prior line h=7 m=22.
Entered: h=10 m=38
